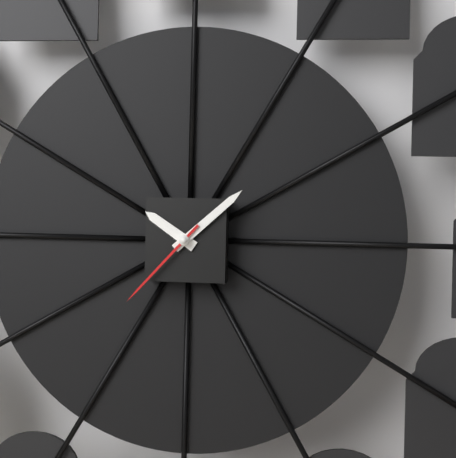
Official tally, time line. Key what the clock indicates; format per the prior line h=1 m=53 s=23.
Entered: h=10 m=8 s=37
